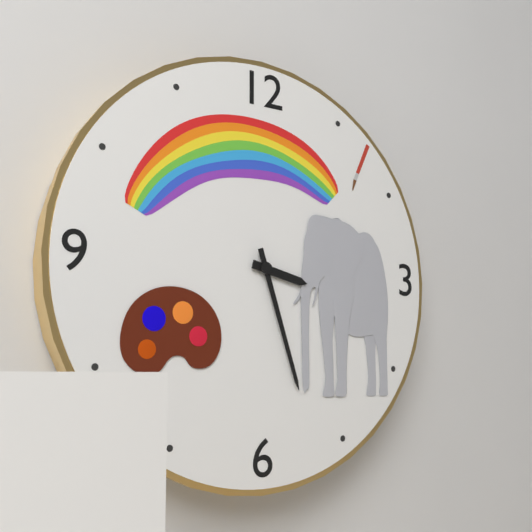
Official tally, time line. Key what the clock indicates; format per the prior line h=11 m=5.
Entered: h=3 m=27
